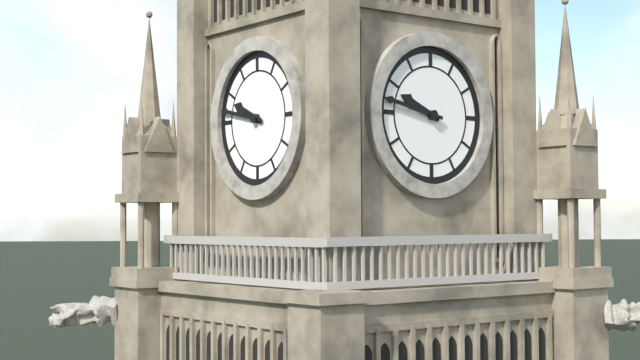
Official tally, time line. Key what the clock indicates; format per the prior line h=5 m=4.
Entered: h=9 m=47
